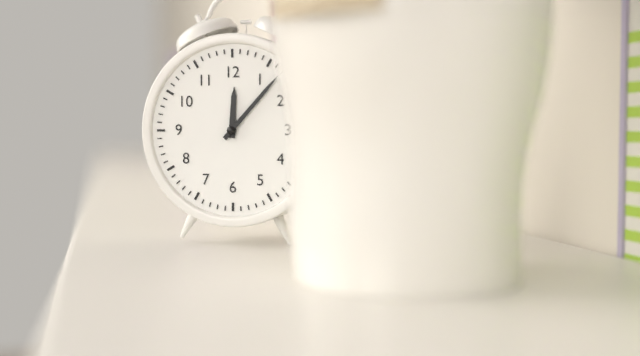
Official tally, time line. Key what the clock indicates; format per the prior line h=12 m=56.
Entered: h=12 m=7
